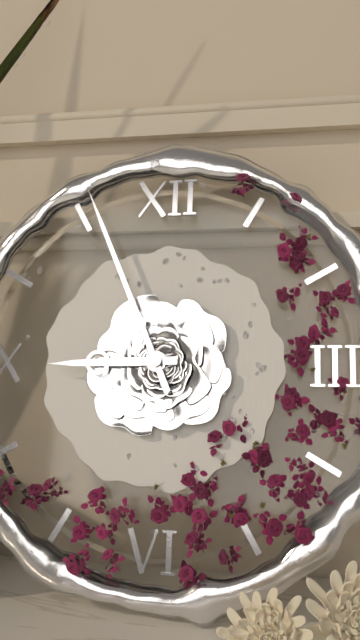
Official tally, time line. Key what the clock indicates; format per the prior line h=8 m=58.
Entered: h=8 m=56
